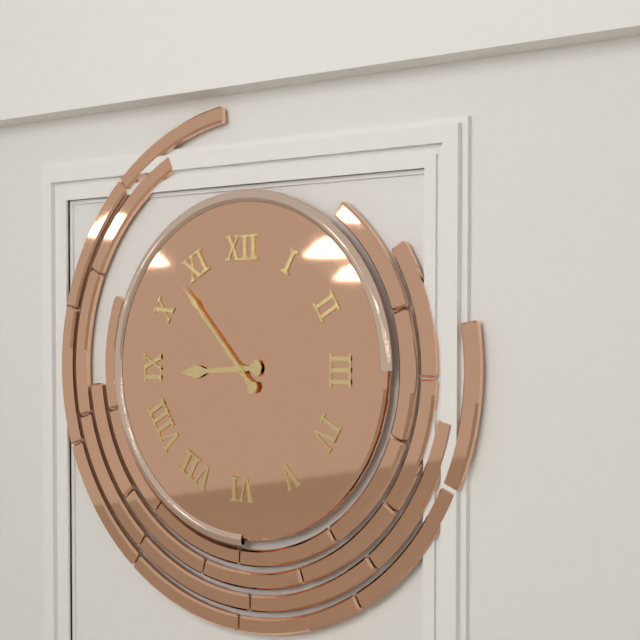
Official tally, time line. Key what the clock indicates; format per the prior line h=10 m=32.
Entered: h=8 m=53
